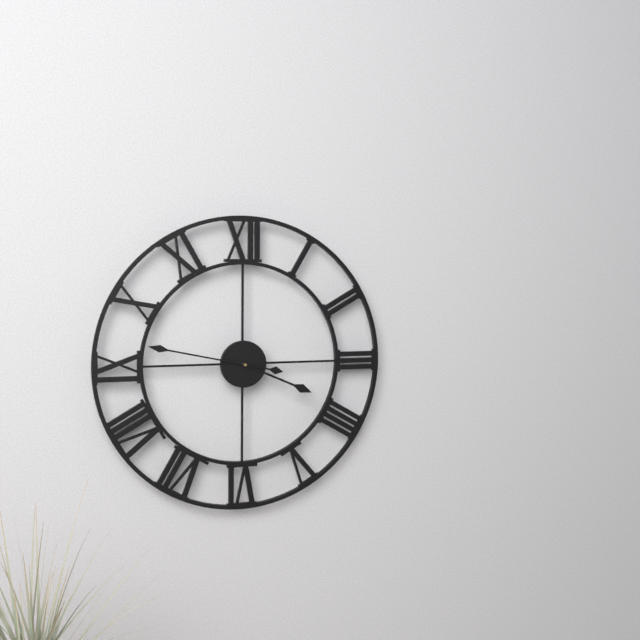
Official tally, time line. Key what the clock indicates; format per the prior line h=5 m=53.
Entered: h=3 m=47
